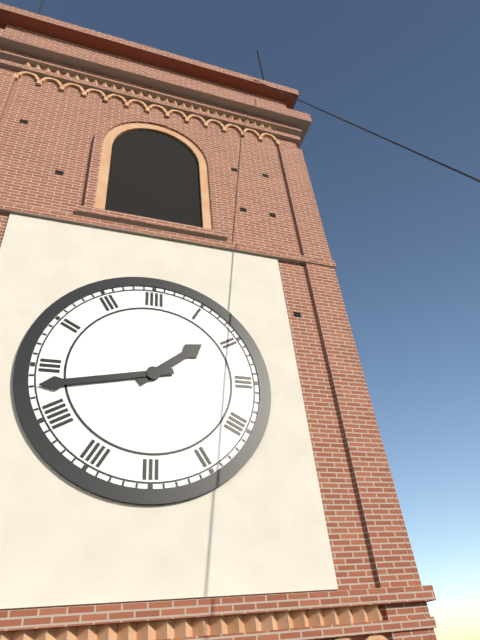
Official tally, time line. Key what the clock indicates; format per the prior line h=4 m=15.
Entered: h=1 m=43
